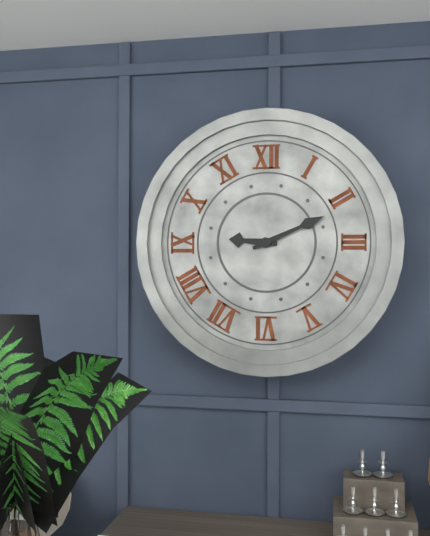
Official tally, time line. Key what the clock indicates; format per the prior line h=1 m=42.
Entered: h=9 m=11
